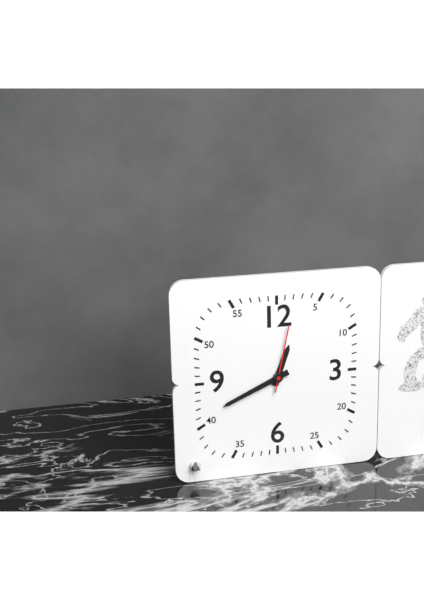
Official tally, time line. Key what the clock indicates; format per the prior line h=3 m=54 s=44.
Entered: h=12 m=41 s=2
